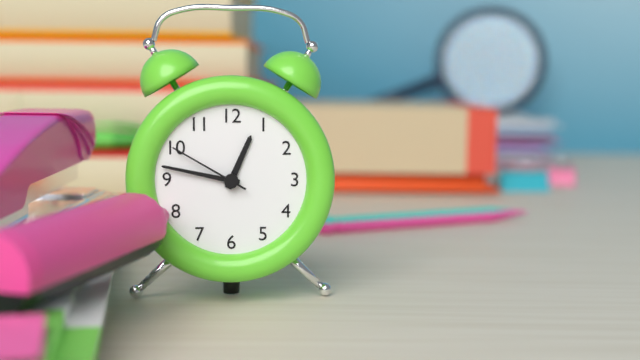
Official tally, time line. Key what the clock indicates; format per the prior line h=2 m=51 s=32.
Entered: h=12 m=47 s=50
